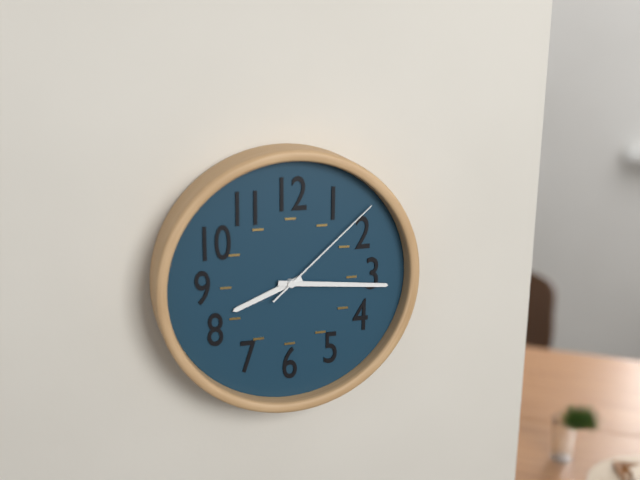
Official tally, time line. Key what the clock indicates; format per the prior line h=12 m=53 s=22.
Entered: h=8 m=16 s=8
